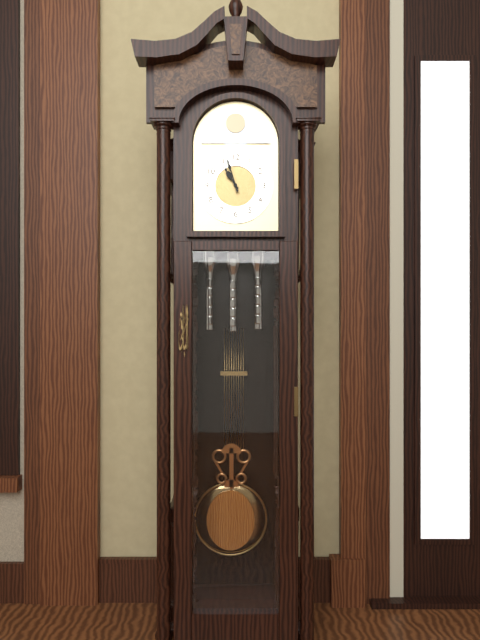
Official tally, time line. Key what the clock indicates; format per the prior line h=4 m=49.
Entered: h=10 m=57
